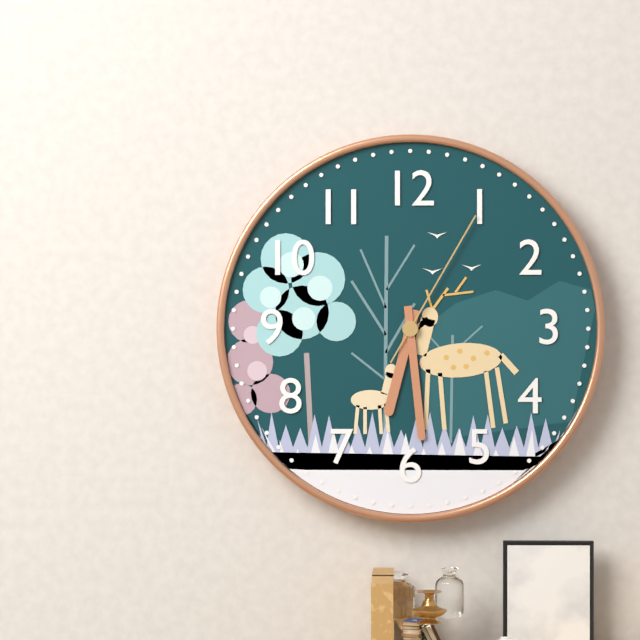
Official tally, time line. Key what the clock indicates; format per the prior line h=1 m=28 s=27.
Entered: h=6 m=29 s=5
